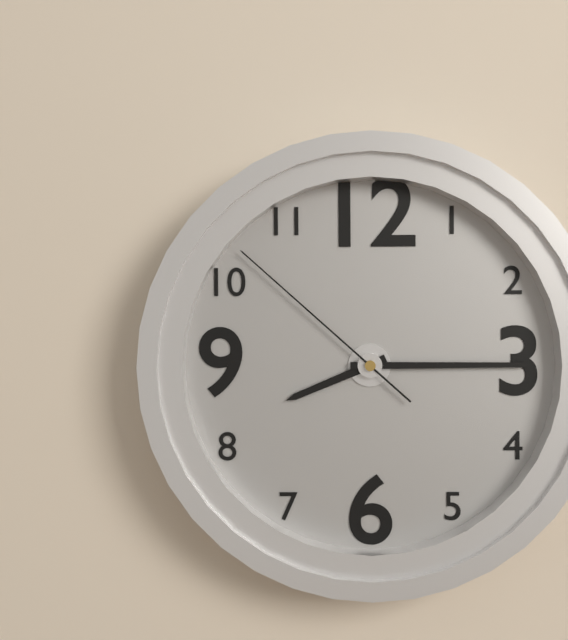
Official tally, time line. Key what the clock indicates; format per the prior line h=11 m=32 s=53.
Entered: h=8 m=15 s=52
